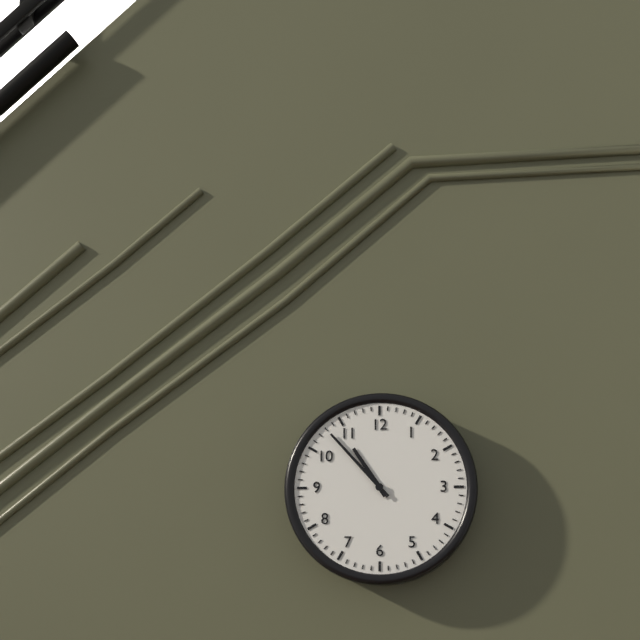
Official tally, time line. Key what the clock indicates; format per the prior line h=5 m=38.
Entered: h=10 m=53
